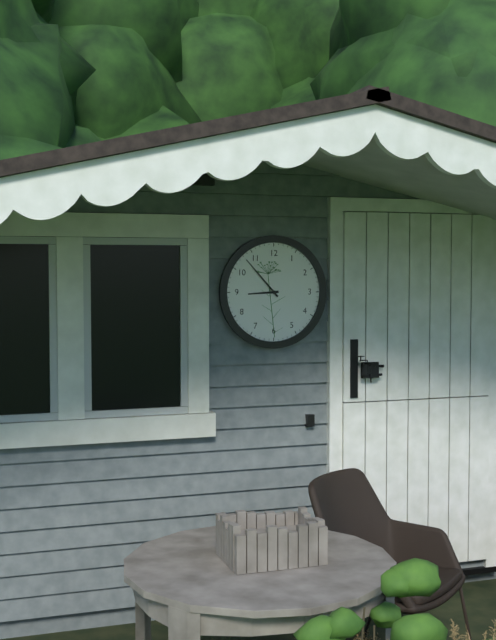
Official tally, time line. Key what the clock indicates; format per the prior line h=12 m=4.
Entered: h=8 m=53
